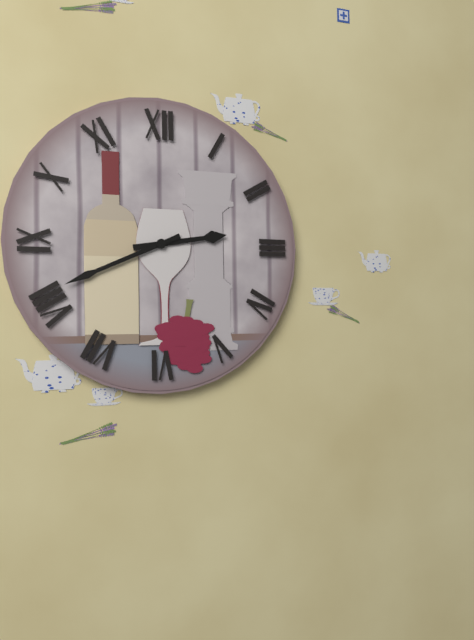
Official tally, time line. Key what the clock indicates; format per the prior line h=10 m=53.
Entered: h=2 m=41
